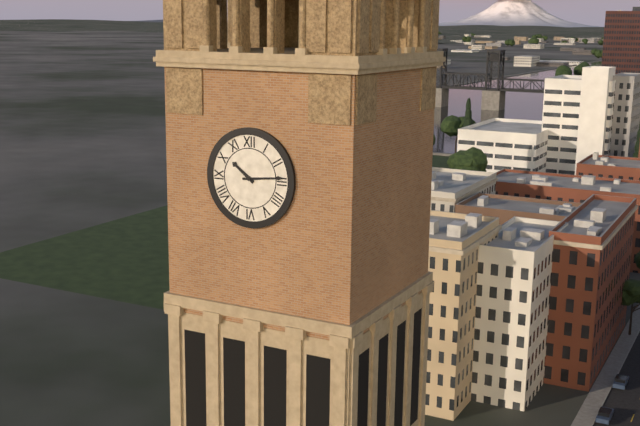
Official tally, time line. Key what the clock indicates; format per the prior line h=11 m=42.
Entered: h=10 m=14
